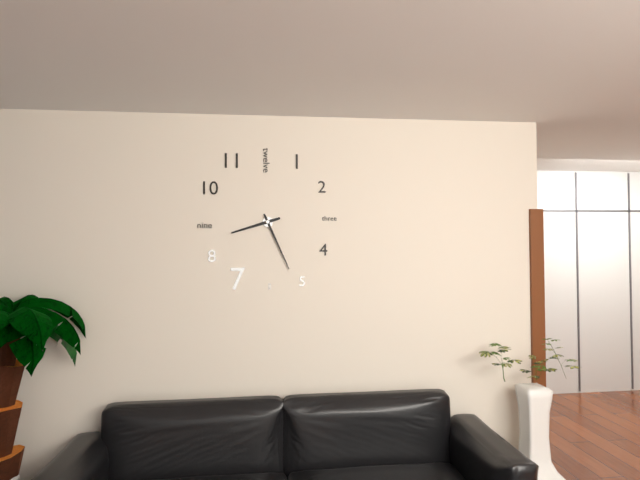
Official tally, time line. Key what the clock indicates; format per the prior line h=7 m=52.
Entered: h=8 m=26
